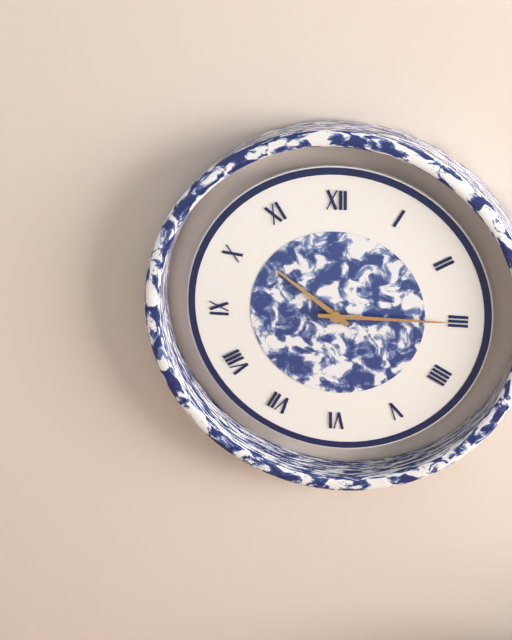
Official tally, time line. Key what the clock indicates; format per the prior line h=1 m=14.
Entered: h=10 m=15
